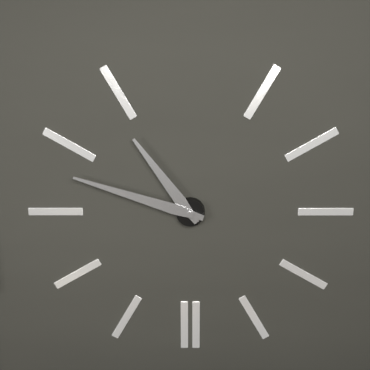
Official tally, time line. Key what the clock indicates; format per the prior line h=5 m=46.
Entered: h=10 m=48
